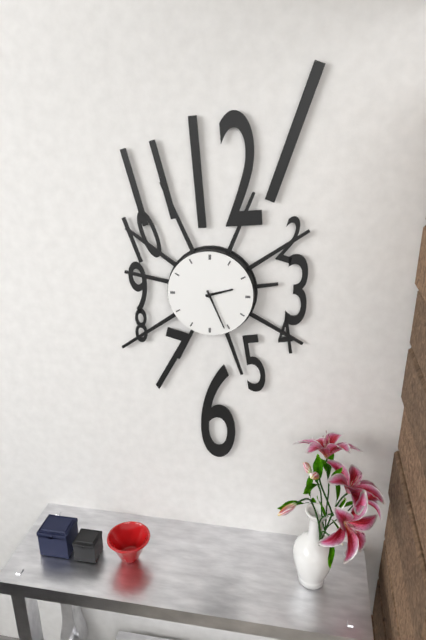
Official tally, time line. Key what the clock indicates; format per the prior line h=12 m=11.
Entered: h=2 m=26
